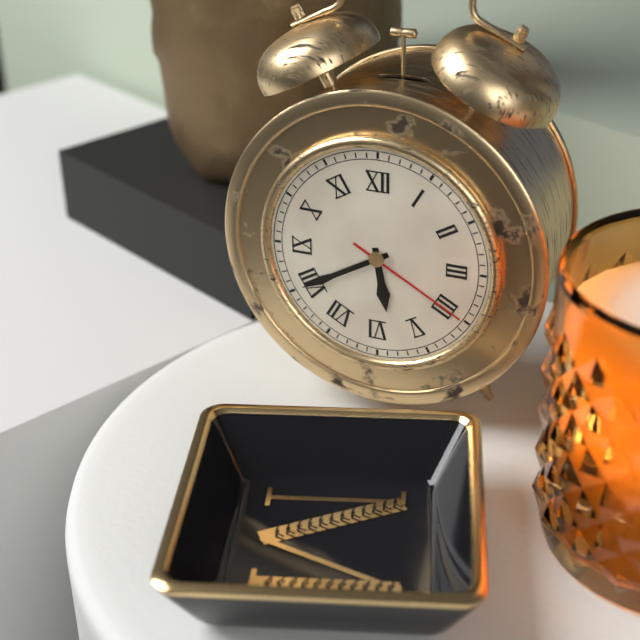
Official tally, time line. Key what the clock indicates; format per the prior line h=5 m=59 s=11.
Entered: h=5 m=40 s=20
